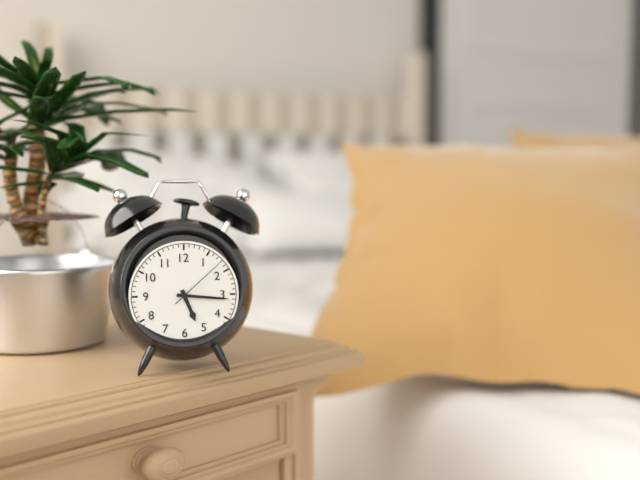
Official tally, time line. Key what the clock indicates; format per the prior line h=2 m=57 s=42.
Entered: h=5 m=16 s=8
